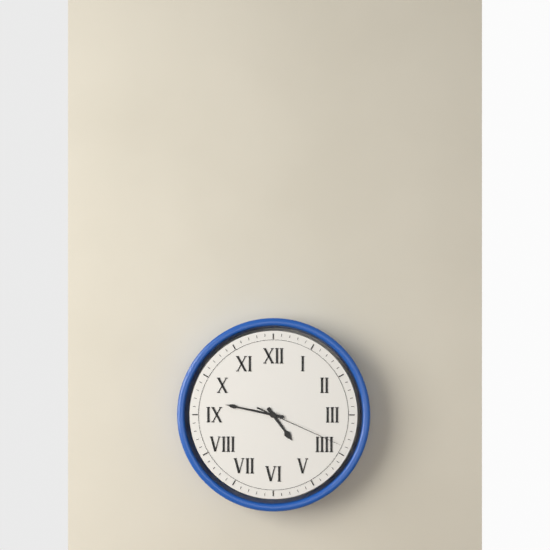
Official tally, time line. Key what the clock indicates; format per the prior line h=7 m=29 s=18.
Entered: h=4 m=47 s=19
